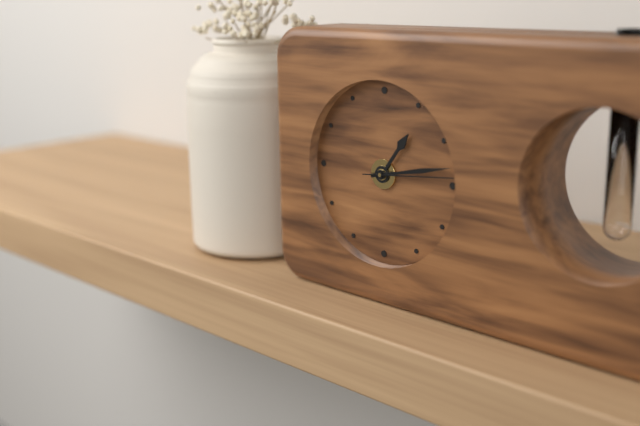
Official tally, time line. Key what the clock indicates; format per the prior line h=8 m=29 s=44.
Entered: h=1 m=13 s=14
